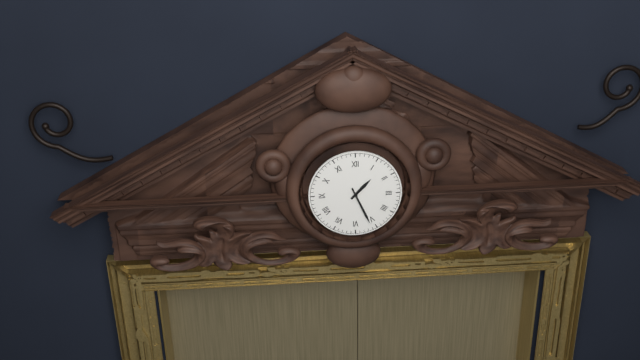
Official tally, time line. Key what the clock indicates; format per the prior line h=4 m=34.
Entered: h=1 m=26
